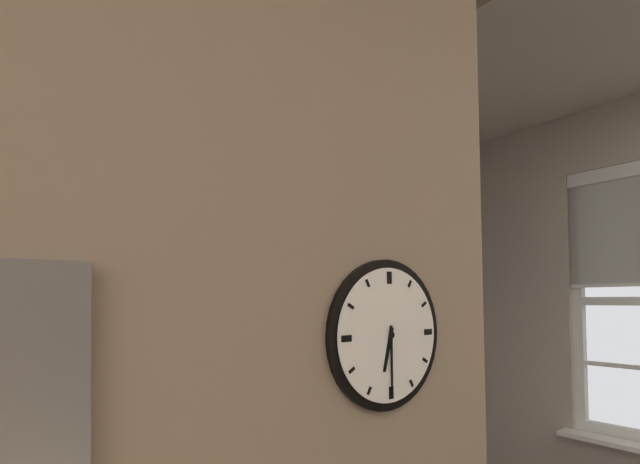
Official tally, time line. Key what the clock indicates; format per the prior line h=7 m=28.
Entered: h=6 m=30
